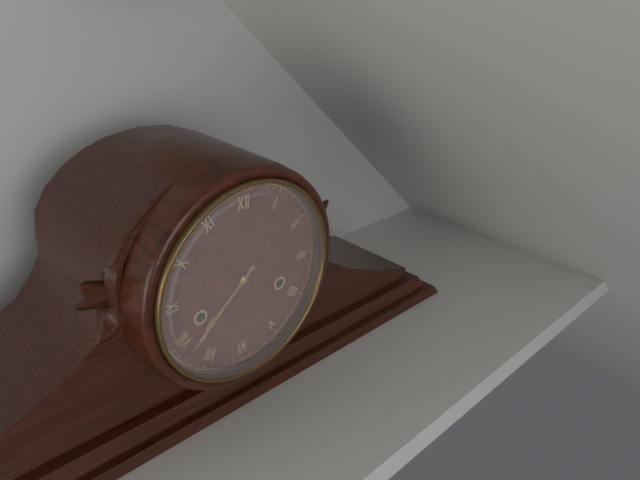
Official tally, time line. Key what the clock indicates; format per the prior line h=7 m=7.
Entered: h=7 m=38
